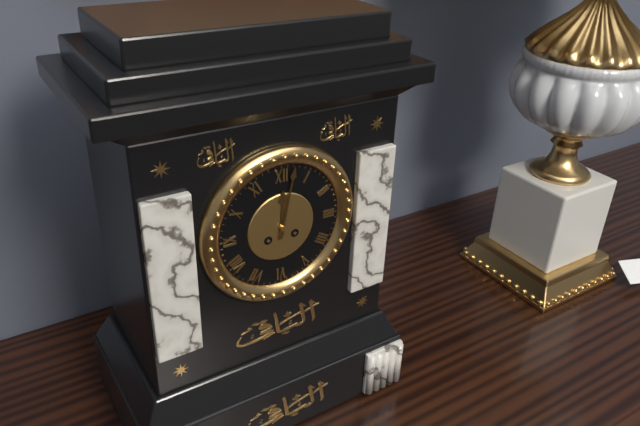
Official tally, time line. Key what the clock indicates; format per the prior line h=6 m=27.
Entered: h=12 m=2
